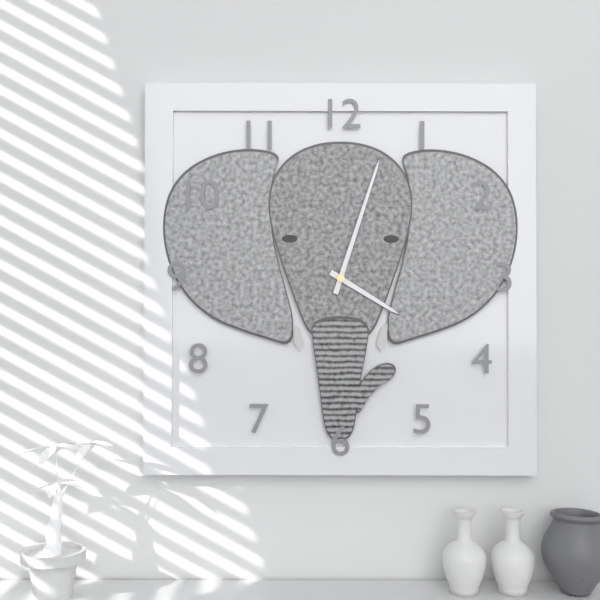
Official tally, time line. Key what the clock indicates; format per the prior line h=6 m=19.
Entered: h=4 m=3
